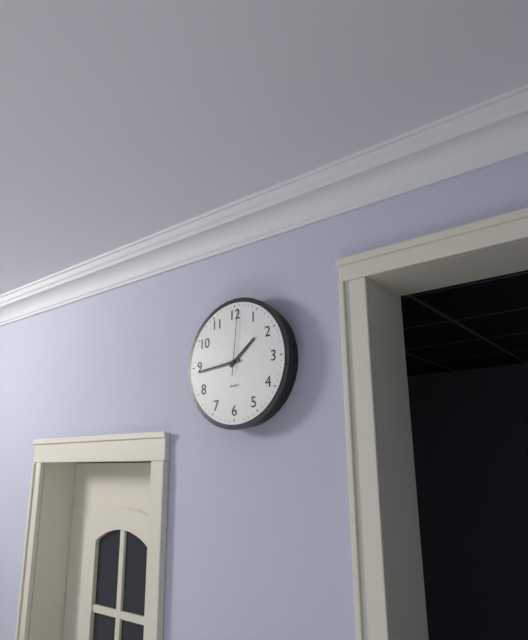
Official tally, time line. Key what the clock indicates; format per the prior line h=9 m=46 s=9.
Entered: h=1 m=44 s=1
